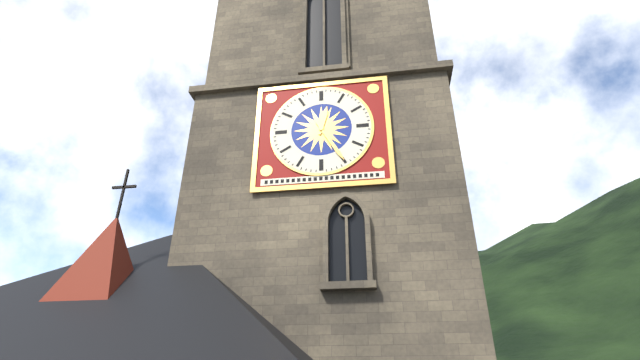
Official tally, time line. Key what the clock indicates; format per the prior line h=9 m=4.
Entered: h=12 m=25
